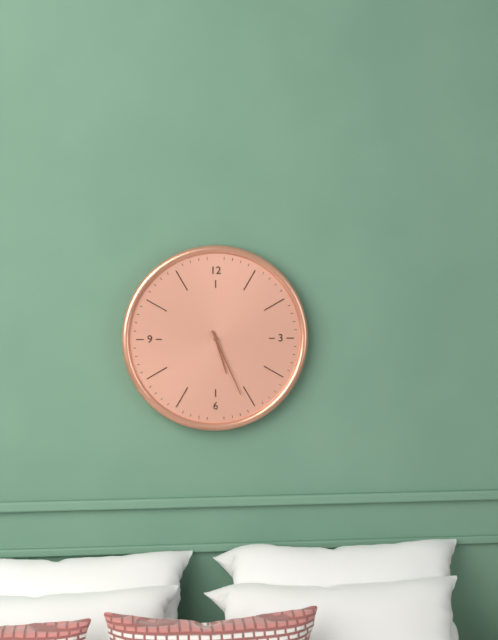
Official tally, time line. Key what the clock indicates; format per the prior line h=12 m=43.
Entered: h=5 m=26
